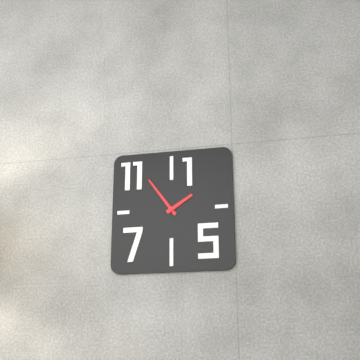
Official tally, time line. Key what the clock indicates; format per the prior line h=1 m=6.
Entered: h=1 m=54
